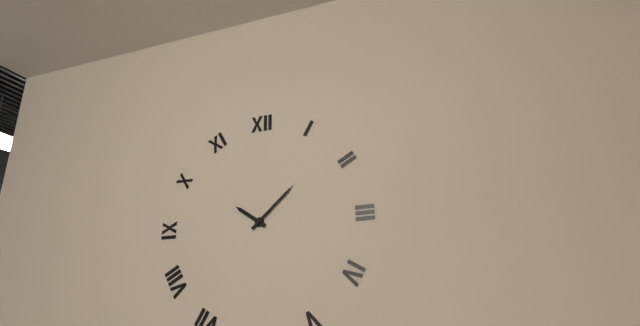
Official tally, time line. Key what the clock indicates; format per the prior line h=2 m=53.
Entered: h=10 m=8
